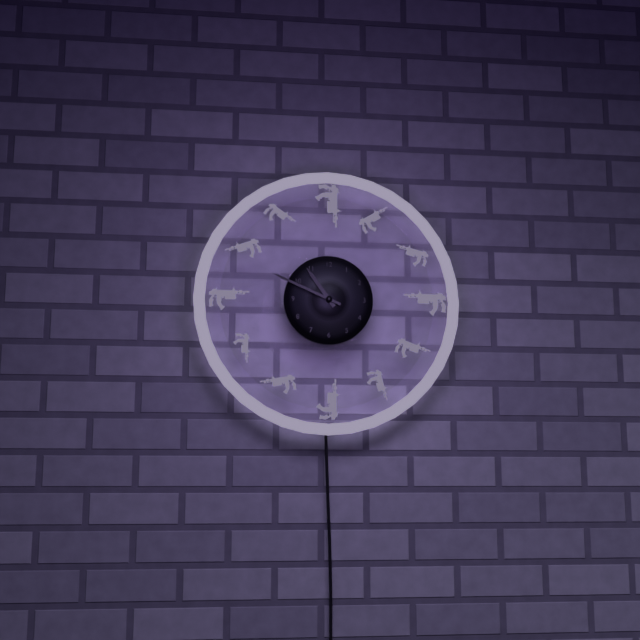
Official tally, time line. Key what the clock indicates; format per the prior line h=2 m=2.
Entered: h=10 m=49
